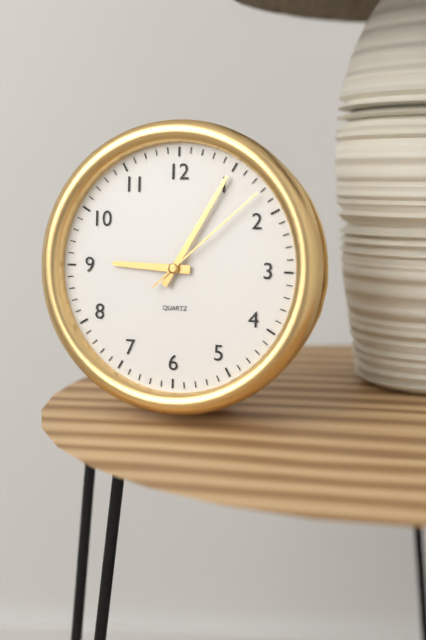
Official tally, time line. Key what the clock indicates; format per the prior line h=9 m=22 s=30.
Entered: h=9 m=5 s=8
